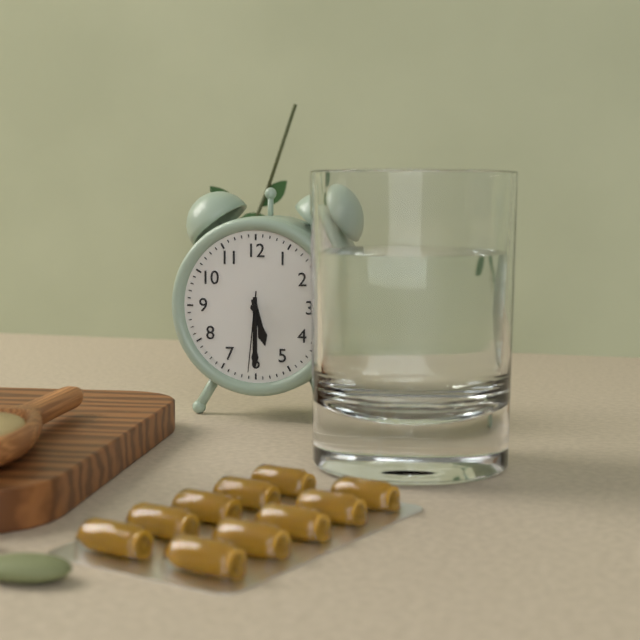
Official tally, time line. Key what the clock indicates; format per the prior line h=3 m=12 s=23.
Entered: h=5 m=30 s=31
